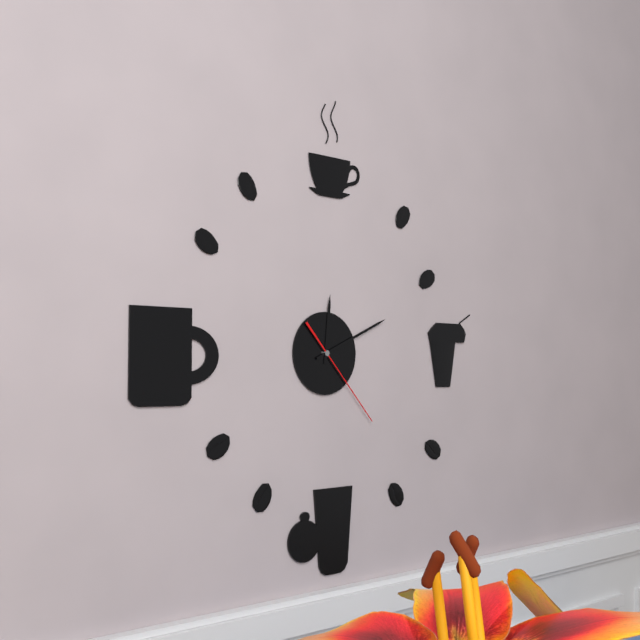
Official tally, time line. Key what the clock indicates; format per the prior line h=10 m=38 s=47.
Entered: h=12 m=11 s=23
